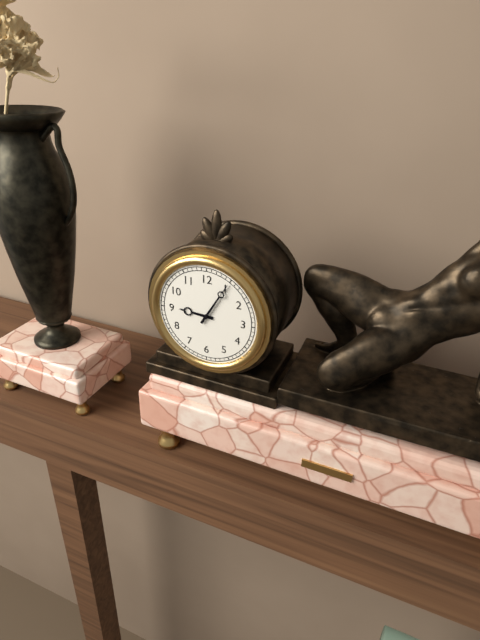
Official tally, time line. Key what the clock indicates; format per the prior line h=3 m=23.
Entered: h=9 m=5
